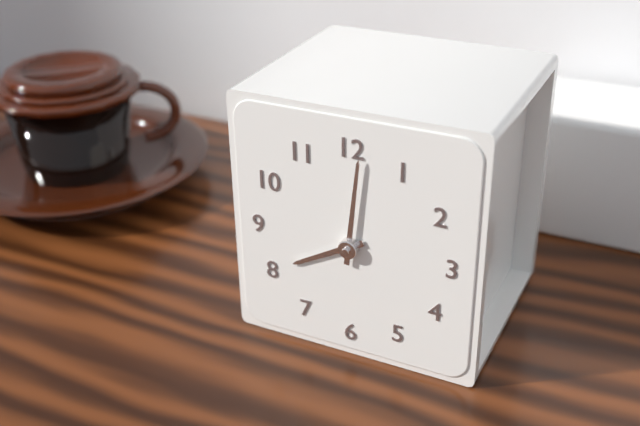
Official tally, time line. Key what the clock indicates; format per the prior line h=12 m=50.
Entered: h=8 m=1
